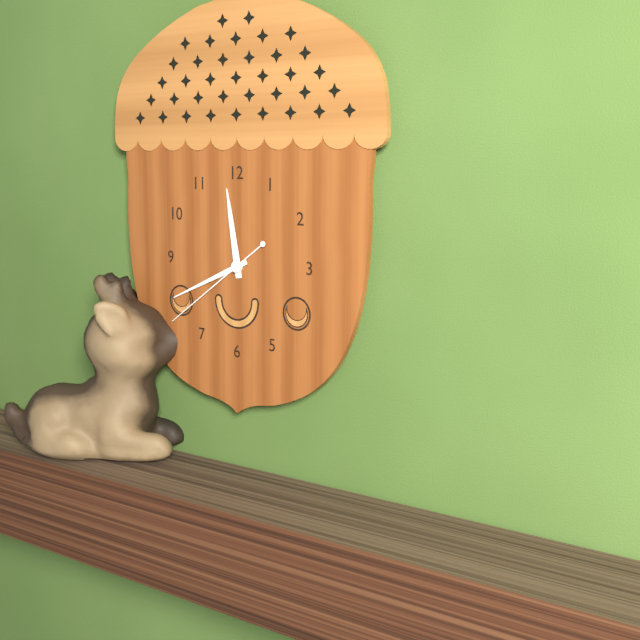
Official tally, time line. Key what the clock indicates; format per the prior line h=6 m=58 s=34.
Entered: h=11 m=41 s=39
